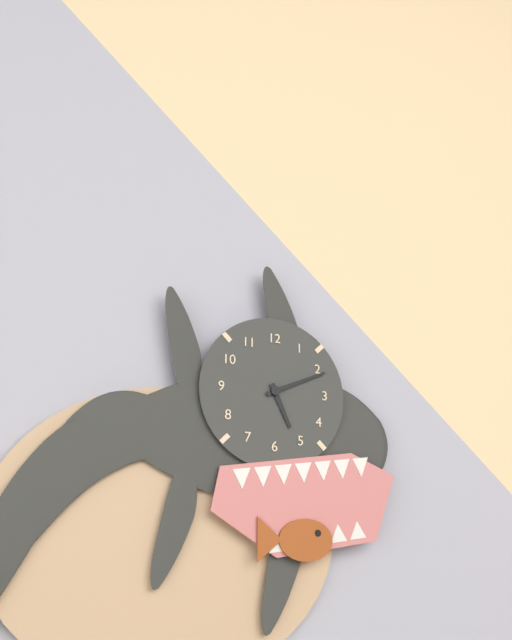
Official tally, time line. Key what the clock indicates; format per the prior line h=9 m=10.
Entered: h=5 m=11
